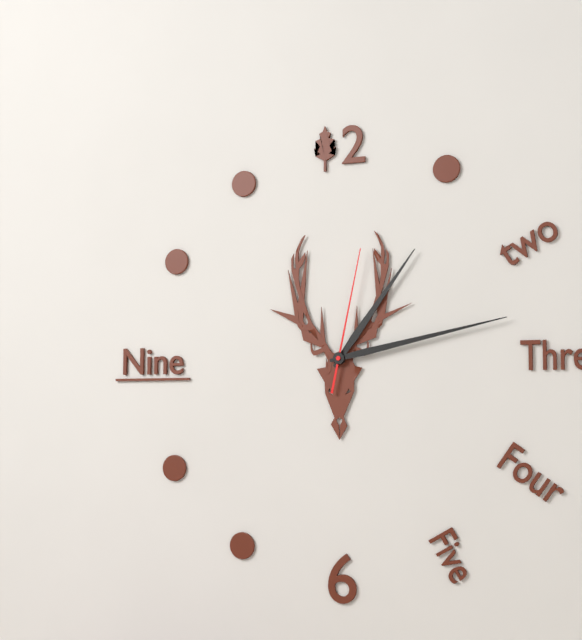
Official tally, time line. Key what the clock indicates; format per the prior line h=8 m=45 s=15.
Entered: h=1 m=13 s=2
